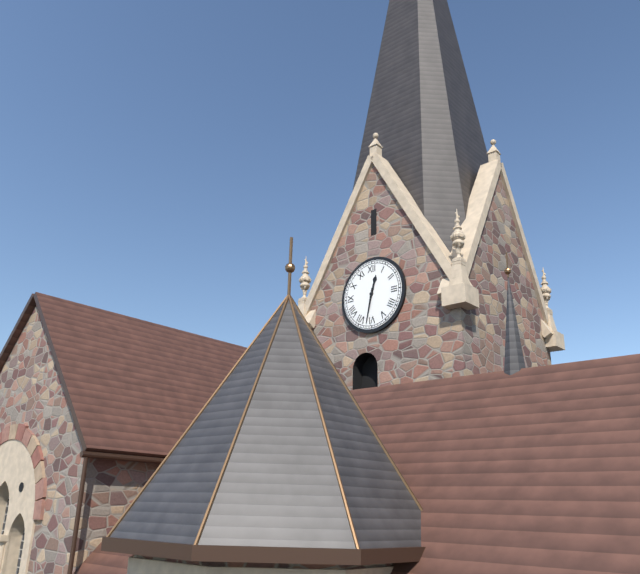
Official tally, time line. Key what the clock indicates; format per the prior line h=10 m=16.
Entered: h=12 m=32
